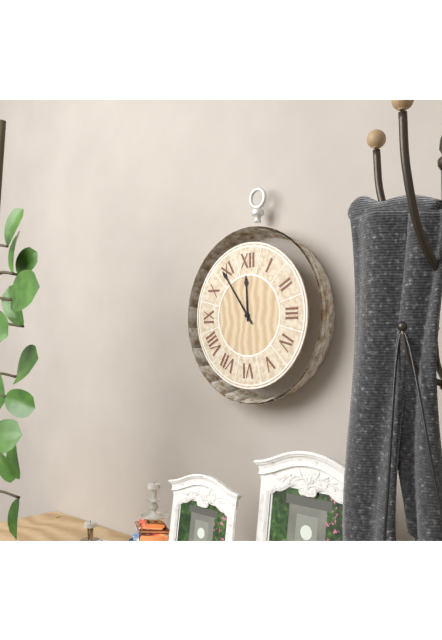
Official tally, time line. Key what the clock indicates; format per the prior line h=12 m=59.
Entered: h=11 m=54
